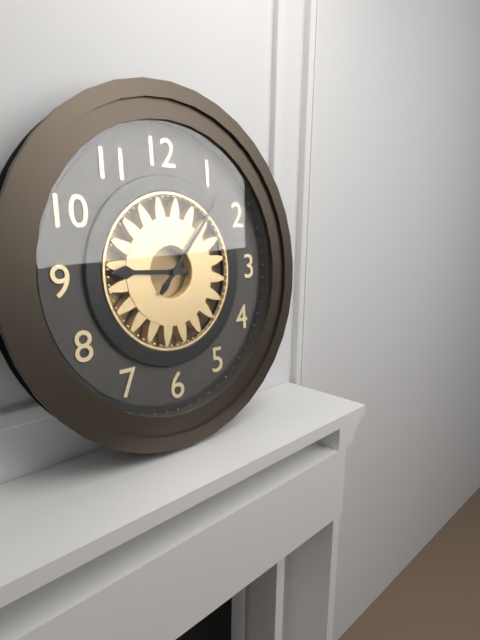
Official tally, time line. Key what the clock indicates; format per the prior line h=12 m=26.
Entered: h=9 m=7
